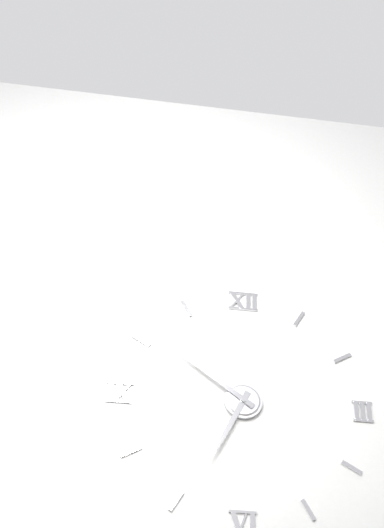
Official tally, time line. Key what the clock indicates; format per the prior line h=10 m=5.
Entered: h=6 m=51
